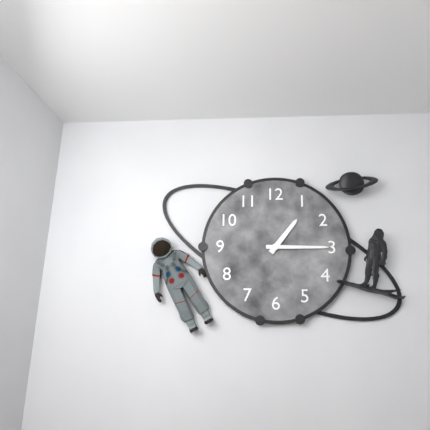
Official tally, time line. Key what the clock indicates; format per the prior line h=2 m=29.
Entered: h=1 m=15
